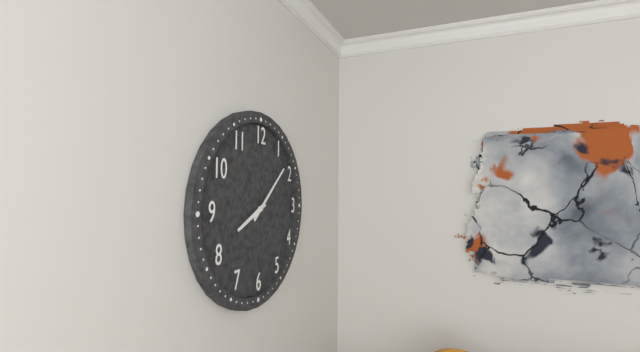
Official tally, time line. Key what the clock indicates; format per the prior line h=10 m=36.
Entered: h=8 m=8
